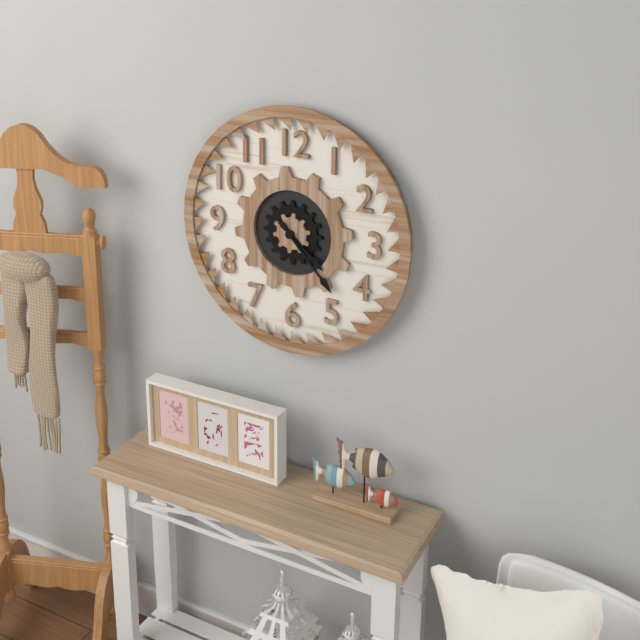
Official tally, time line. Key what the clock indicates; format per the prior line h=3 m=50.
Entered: h=4 m=23
